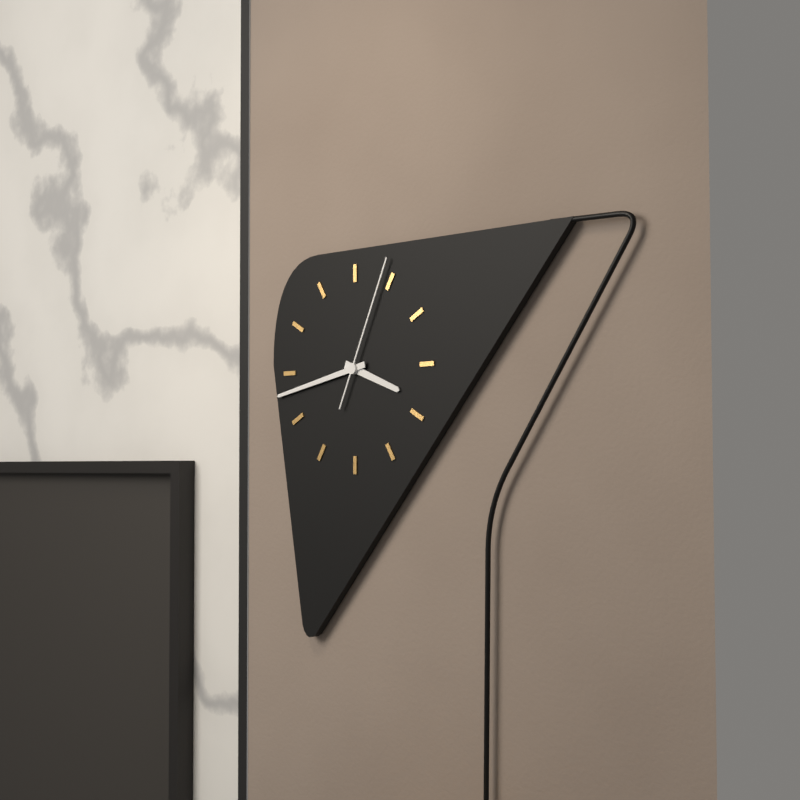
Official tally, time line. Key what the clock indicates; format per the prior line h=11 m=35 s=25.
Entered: h=3 m=43 s=4
